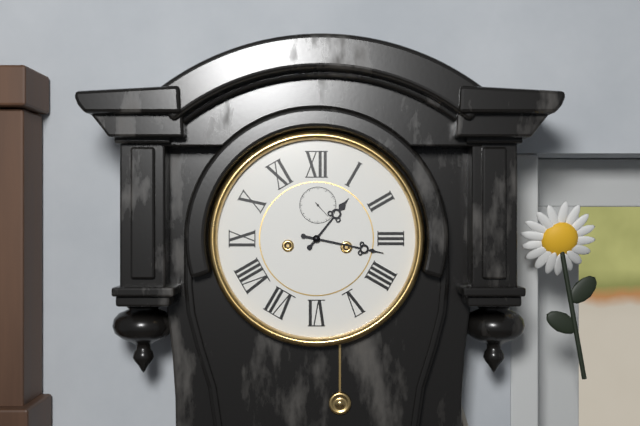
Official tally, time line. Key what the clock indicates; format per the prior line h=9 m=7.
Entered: h=1 m=17
